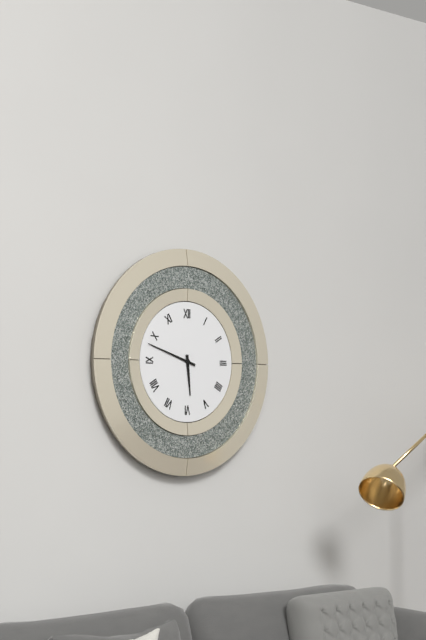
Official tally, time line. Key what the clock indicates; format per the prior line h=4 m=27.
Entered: h=5 m=48
